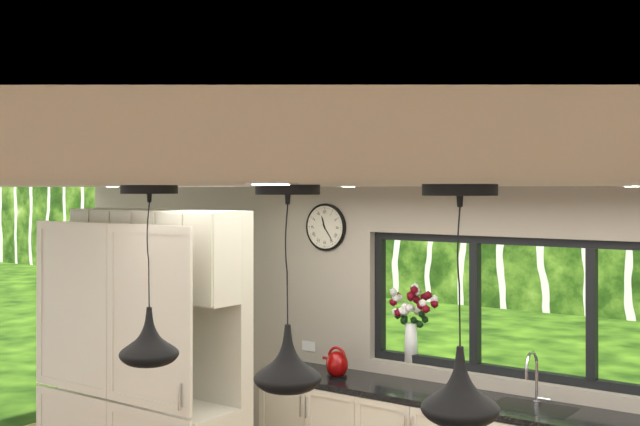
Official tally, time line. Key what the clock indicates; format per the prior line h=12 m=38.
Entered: h=11 m=24
